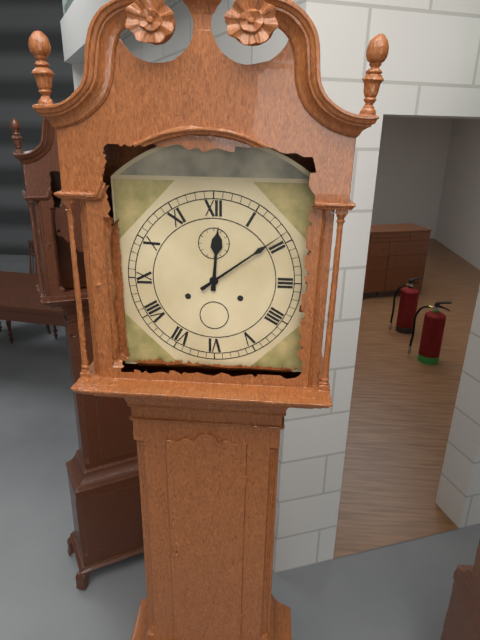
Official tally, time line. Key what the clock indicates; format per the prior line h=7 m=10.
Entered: h=12 m=9
